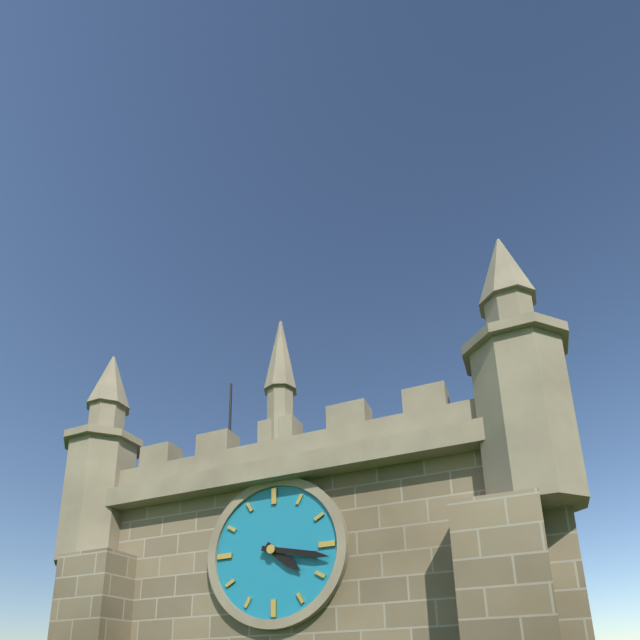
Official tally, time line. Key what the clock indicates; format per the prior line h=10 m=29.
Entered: h=4 m=17
